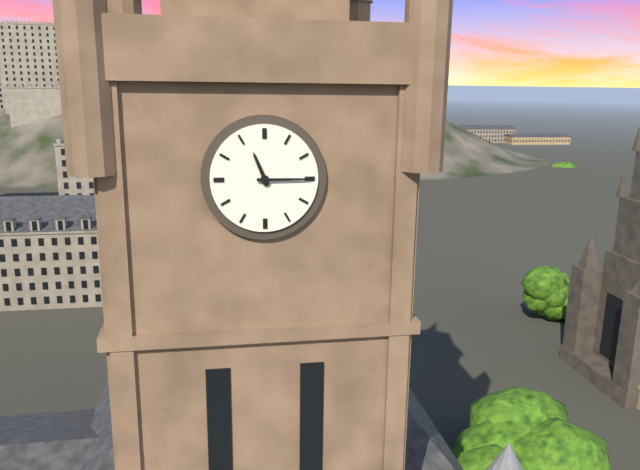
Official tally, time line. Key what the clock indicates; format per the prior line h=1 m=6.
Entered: h=11 m=15
